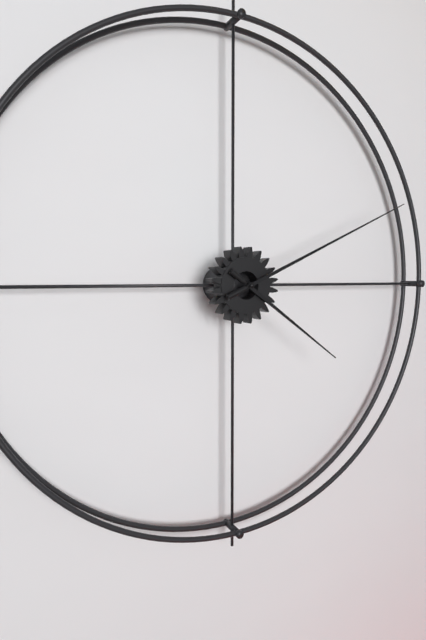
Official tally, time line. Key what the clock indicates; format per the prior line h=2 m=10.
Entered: h=4 m=11
